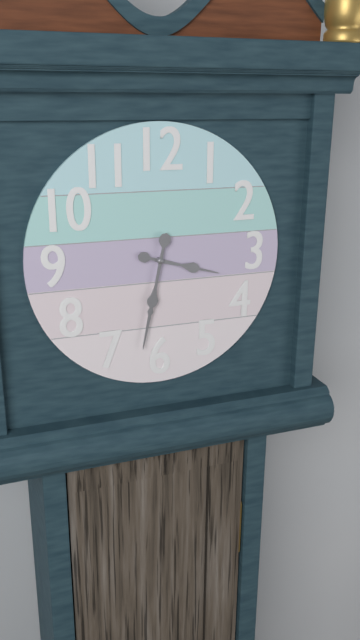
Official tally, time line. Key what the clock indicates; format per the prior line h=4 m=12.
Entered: h=3 m=32
